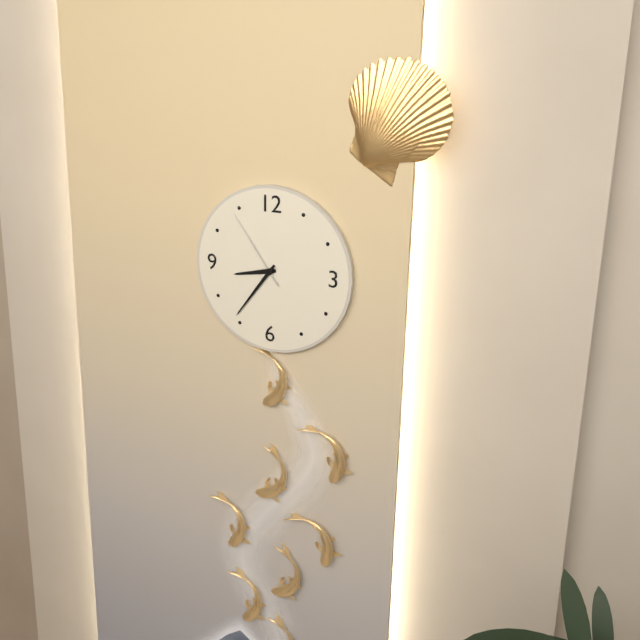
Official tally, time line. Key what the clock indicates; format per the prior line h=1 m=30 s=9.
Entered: h=8 m=36 s=54
